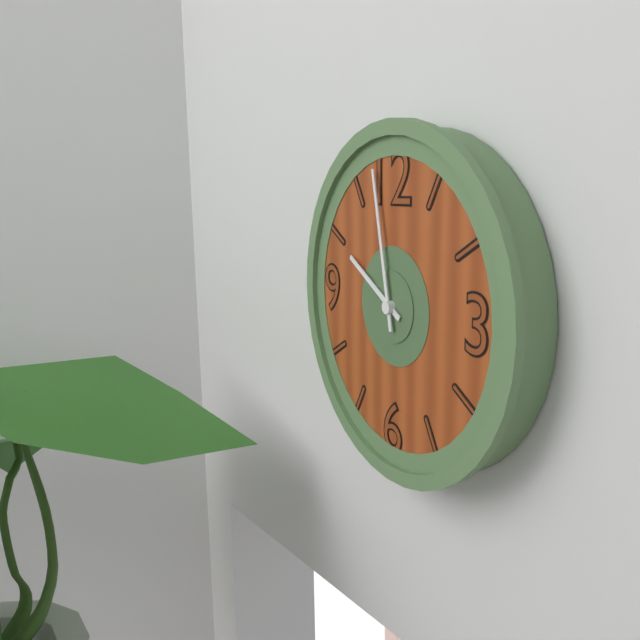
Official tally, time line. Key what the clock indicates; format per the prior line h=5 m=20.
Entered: h=9 m=58
